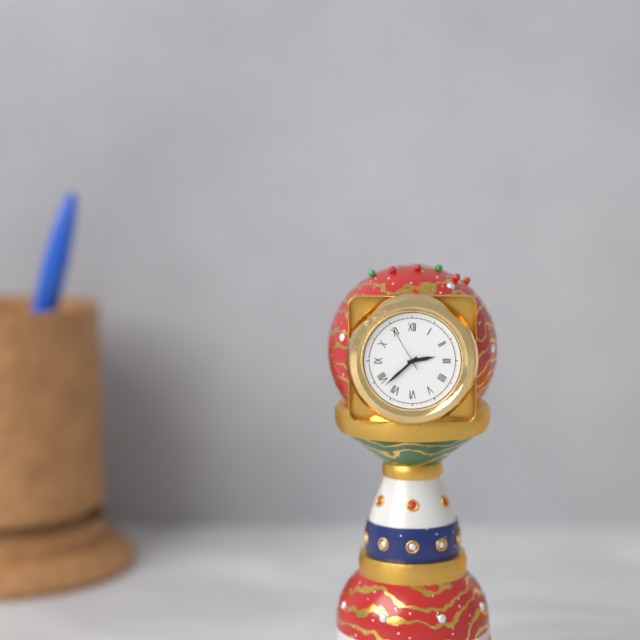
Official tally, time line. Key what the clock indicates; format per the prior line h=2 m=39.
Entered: h=2 m=38
